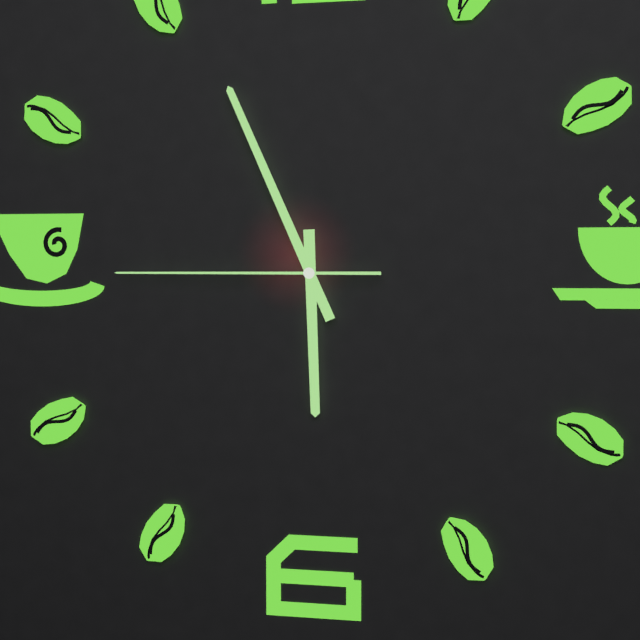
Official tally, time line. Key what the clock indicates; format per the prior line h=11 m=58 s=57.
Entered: h=5 m=56 s=45
